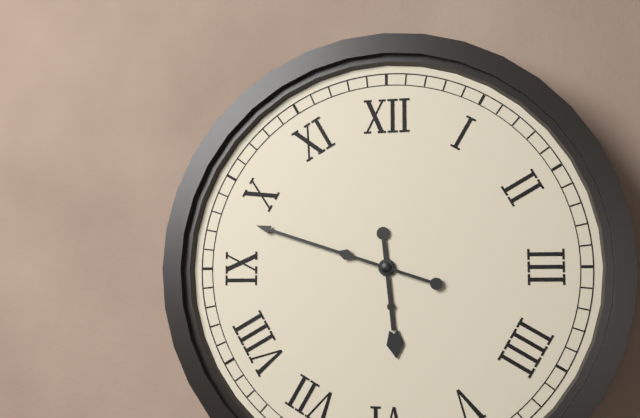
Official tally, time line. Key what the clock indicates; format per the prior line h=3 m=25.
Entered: h=5 m=48
